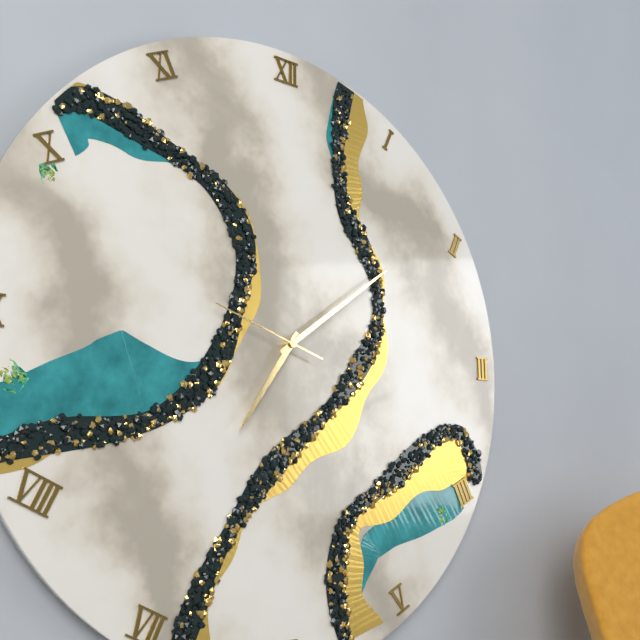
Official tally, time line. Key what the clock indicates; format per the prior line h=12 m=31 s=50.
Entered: h=7 m=9 s=48
